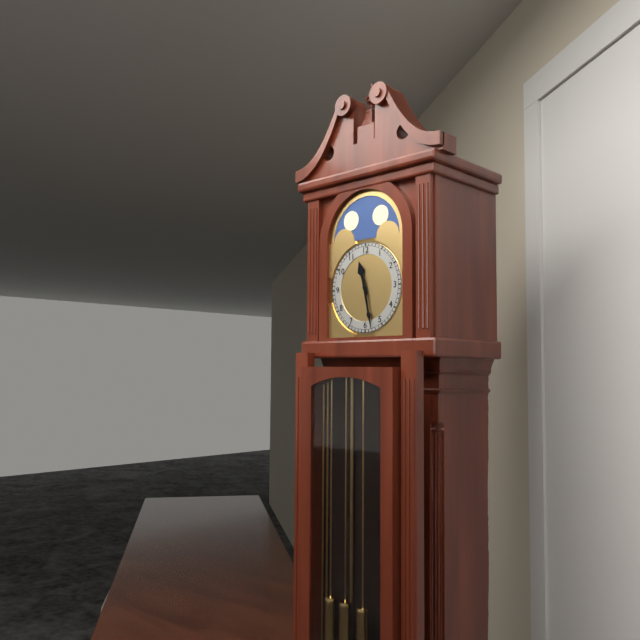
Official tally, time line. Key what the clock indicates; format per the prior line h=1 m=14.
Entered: h=11 m=28
